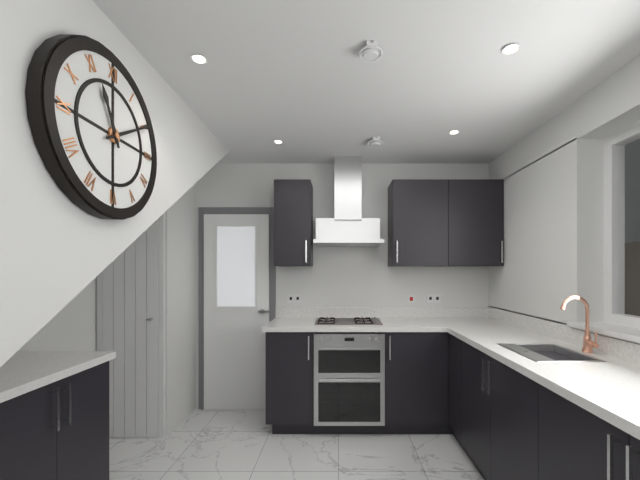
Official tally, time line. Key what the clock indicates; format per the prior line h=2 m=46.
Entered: h=11 m=10
